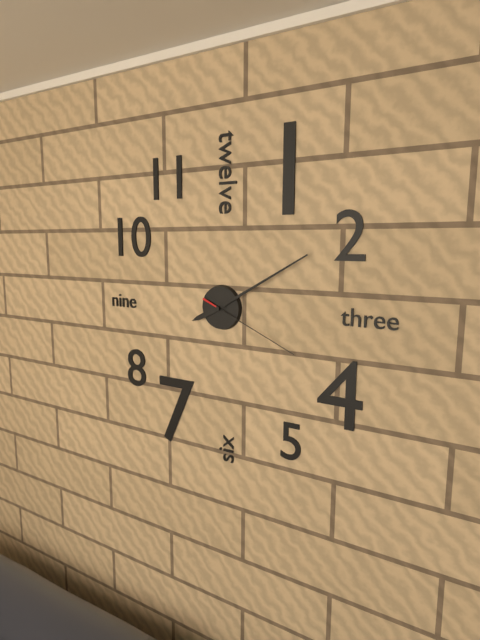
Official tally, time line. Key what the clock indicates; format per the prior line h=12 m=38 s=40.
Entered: h=8 m=10 s=19
